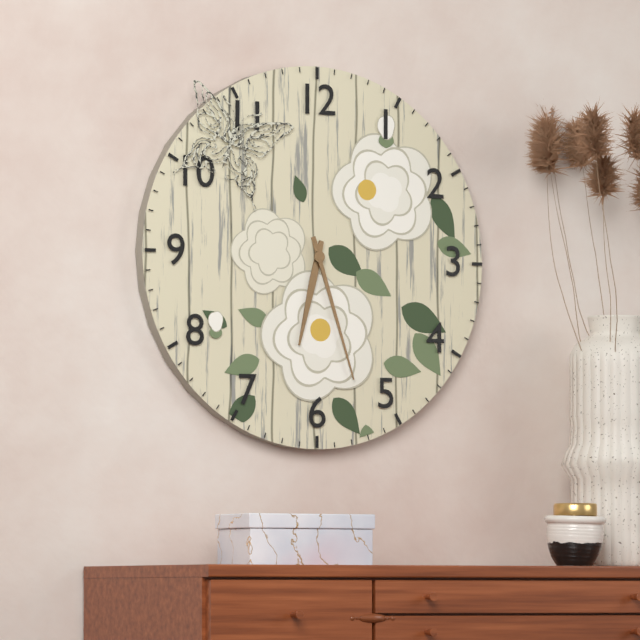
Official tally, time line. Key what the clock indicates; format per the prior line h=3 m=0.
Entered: h=6 m=27
